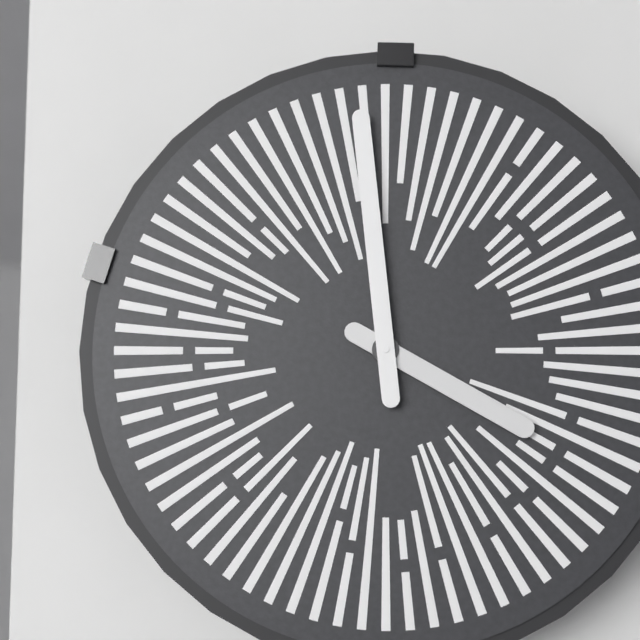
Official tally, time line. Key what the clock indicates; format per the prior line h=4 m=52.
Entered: h=3 m=59
